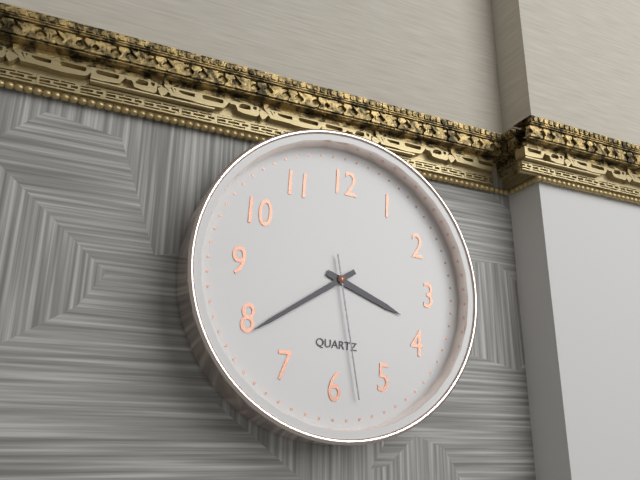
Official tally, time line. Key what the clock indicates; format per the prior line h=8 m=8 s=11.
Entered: h=3 m=39 s=28
